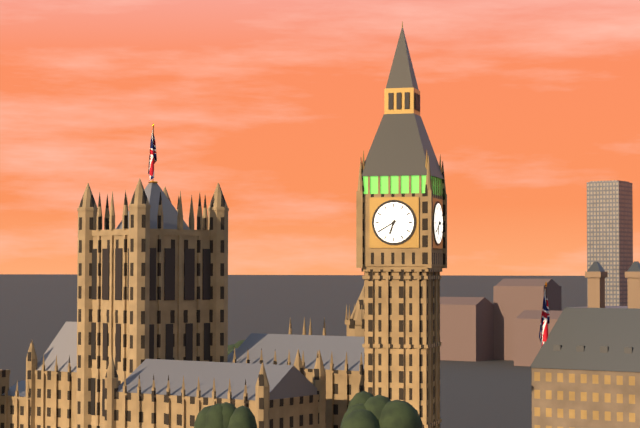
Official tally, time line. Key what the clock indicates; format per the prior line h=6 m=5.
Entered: h=6 m=40
